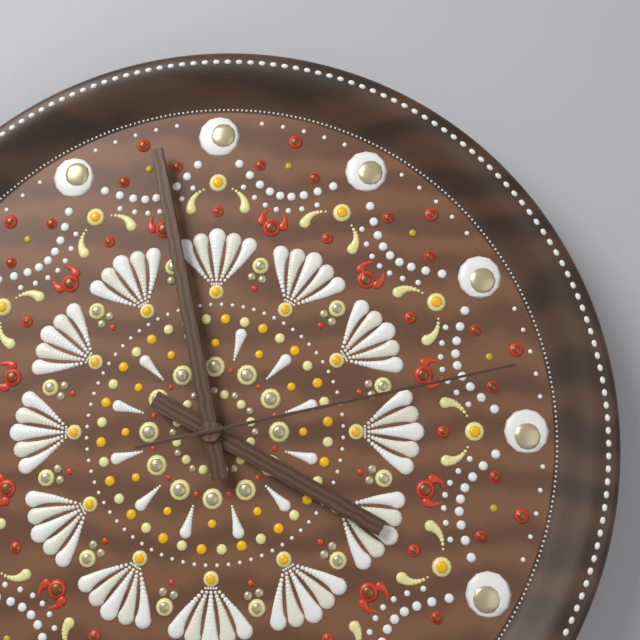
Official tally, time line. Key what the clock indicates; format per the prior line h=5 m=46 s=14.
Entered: h=3 m=58 s=13
